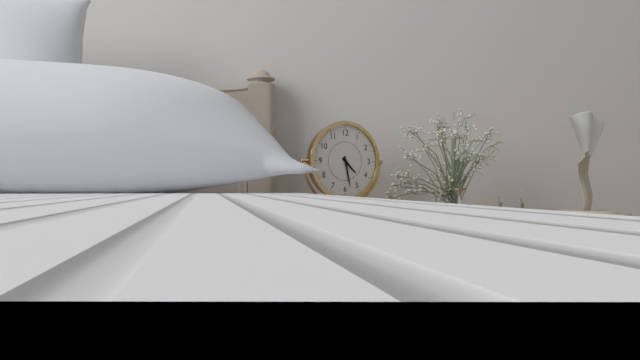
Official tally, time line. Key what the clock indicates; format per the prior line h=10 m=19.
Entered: h=4 m=28
